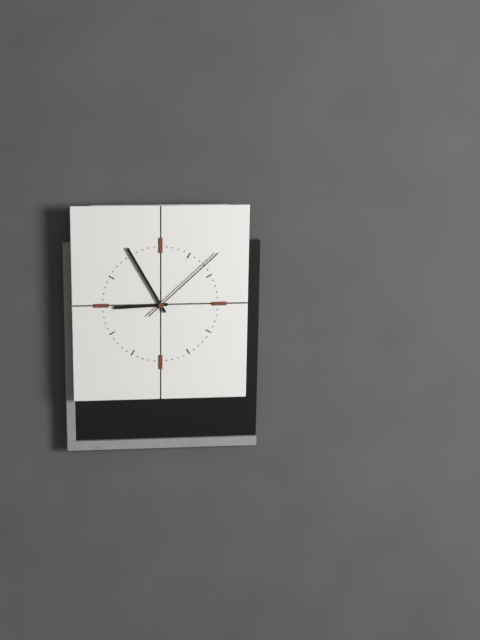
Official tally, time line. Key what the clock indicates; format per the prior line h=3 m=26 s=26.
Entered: h=8 m=55 s=8
